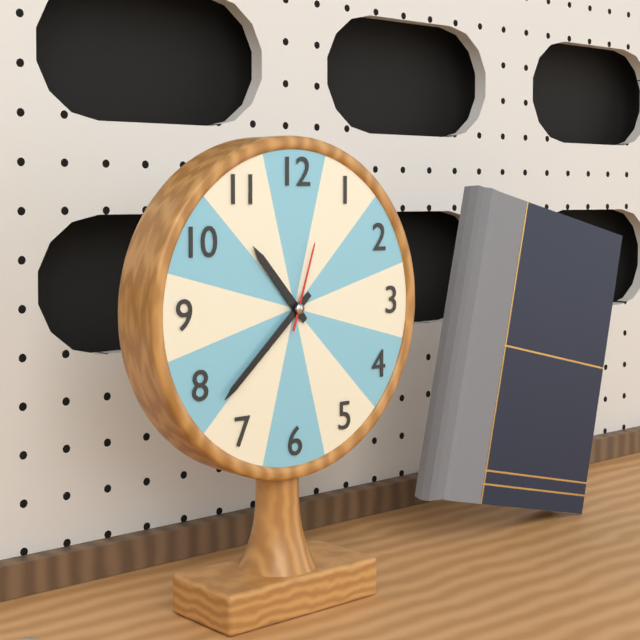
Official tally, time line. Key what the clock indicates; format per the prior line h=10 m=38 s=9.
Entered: h=10 m=38 s=3
